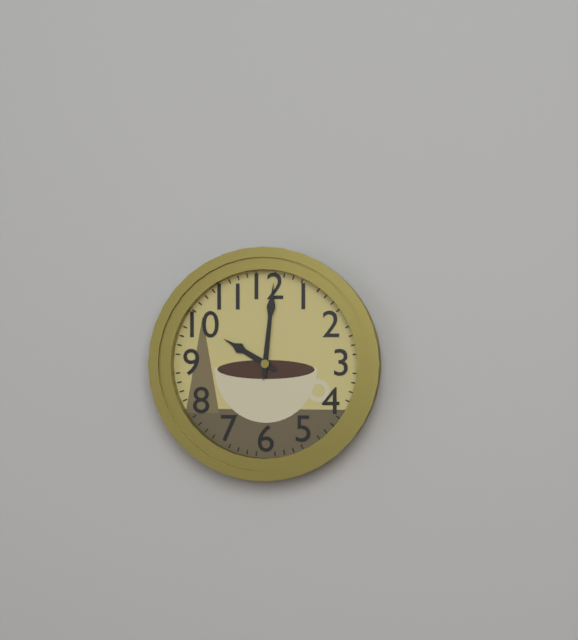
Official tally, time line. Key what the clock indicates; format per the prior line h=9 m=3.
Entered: h=10 m=1
